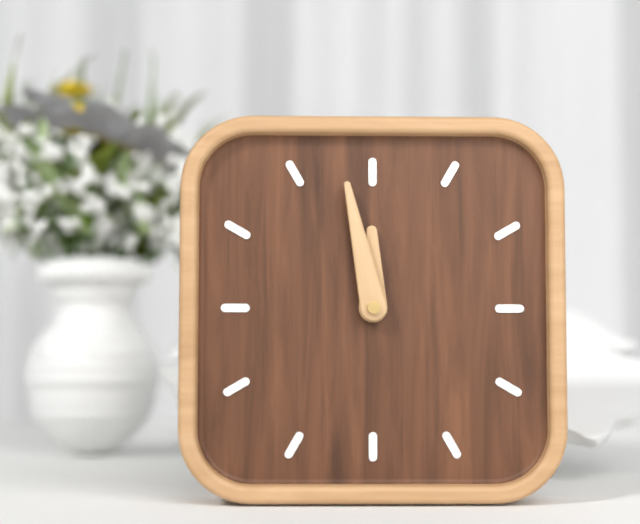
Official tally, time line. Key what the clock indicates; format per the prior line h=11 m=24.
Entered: h=11 m=58
